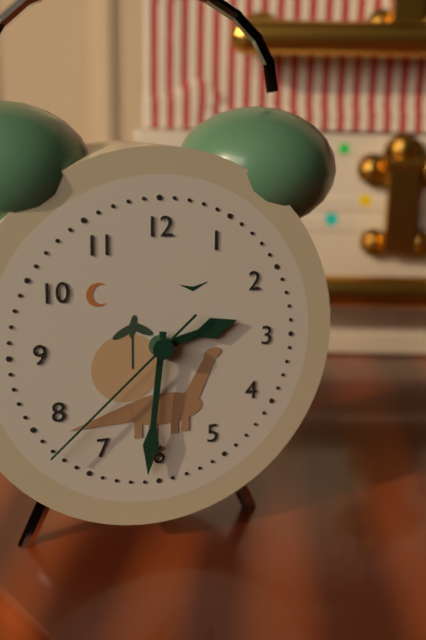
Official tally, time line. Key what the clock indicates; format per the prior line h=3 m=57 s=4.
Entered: h=2 m=31 s=38
